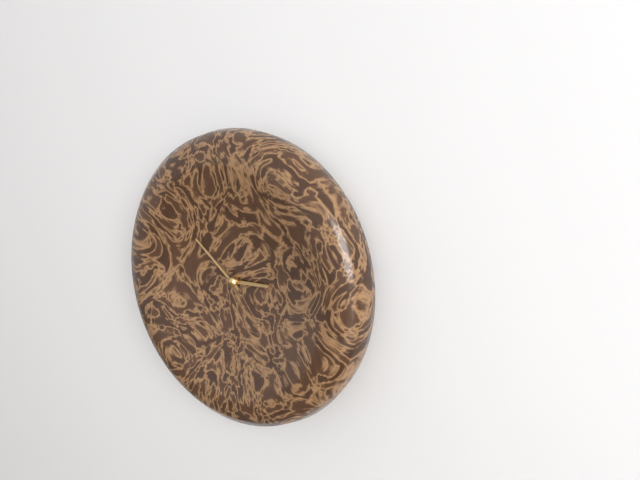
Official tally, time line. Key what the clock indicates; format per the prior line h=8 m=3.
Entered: h=2 m=51
